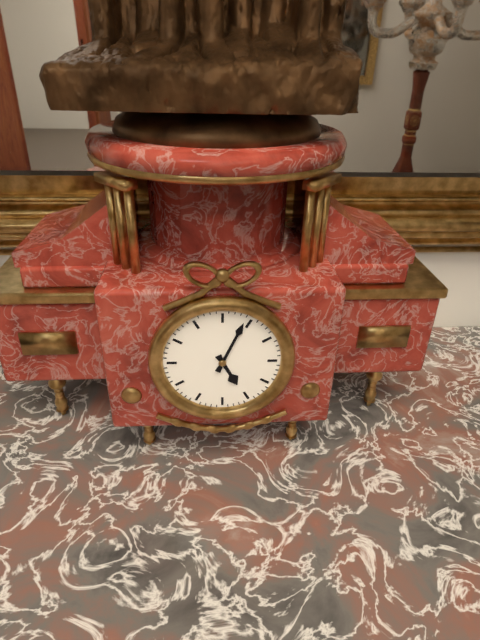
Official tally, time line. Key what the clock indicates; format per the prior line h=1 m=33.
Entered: h=5 m=4
